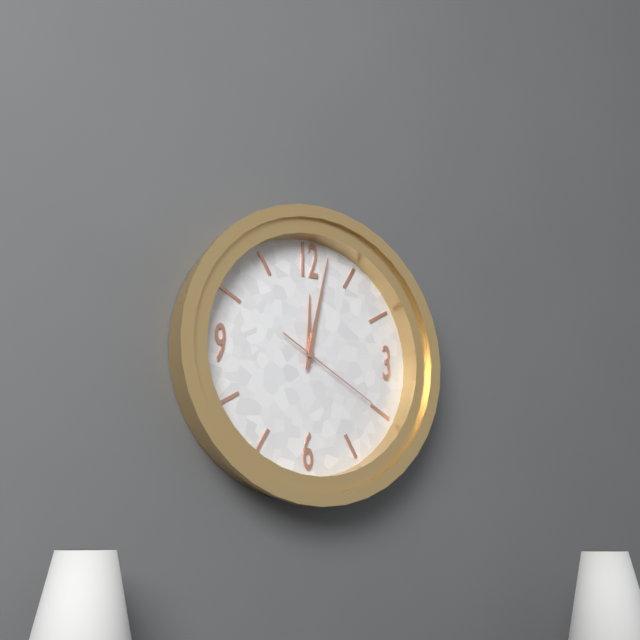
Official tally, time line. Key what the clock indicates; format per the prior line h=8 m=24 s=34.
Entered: h=12 m=2 s=20
